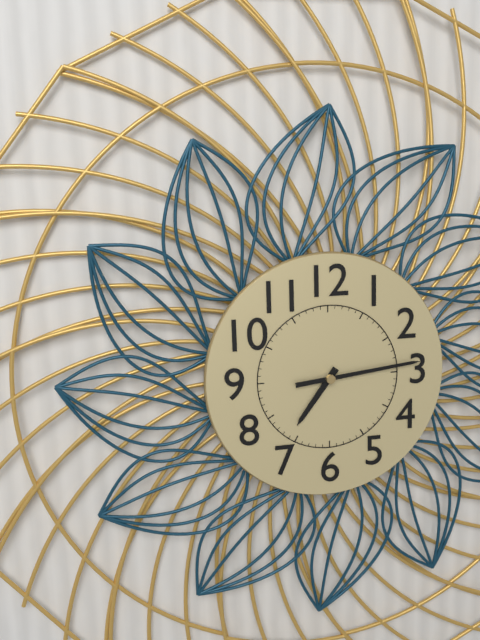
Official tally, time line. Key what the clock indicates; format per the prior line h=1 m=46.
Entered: h=7 m=14
